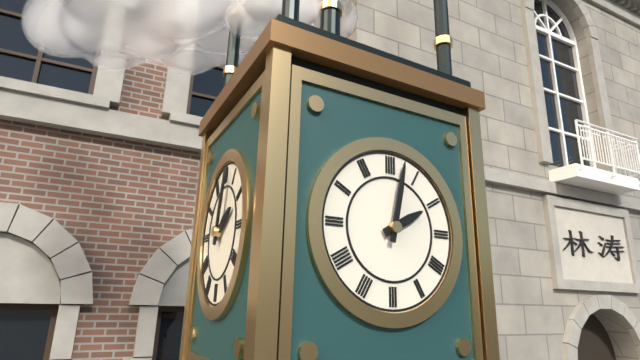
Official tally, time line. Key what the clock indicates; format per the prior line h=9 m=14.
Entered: h=2 m=2
